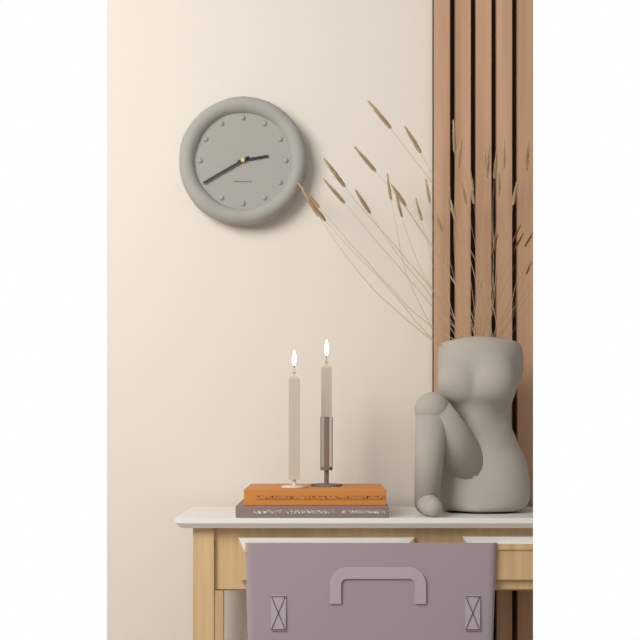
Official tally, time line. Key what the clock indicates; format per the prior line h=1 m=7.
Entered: h=2 m=40
